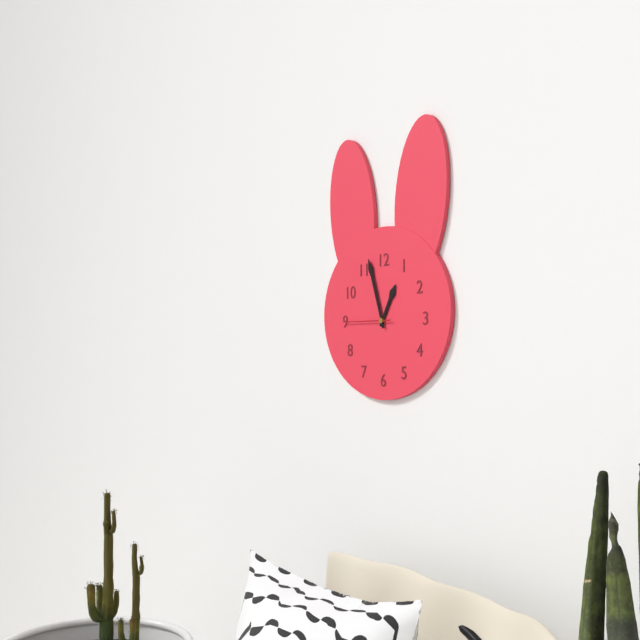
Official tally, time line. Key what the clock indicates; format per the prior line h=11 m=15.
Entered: h=12 m=57
